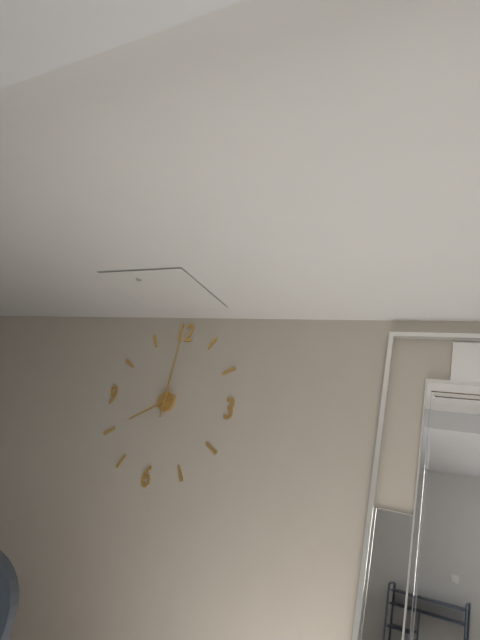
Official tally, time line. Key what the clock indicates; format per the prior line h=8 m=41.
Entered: h=8 m=0
